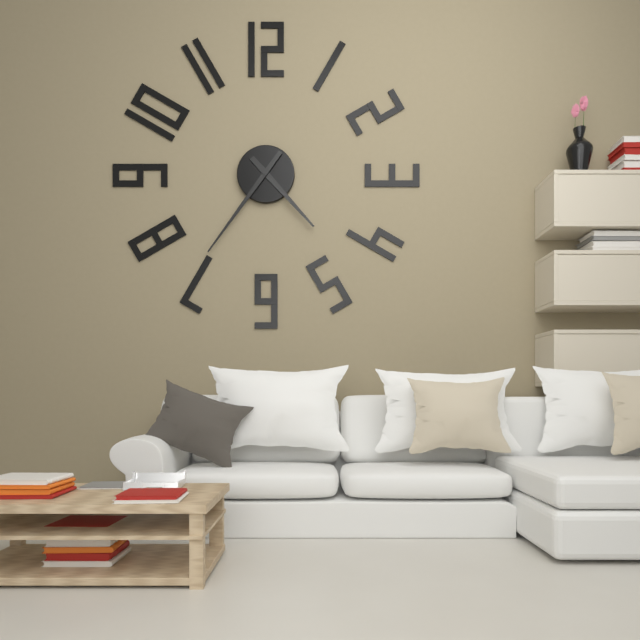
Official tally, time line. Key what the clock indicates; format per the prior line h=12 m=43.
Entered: h=4 m=36
